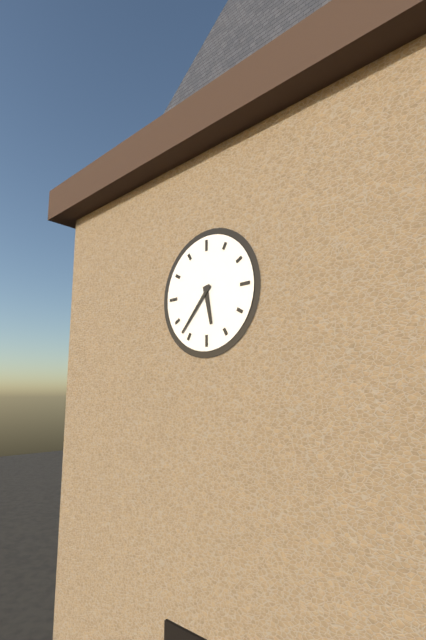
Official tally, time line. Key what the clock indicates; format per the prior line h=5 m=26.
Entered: h=5 m=37
